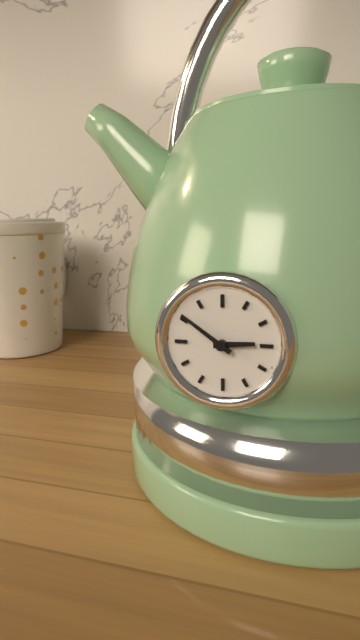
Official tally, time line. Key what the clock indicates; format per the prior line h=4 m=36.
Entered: h=2 m=51
